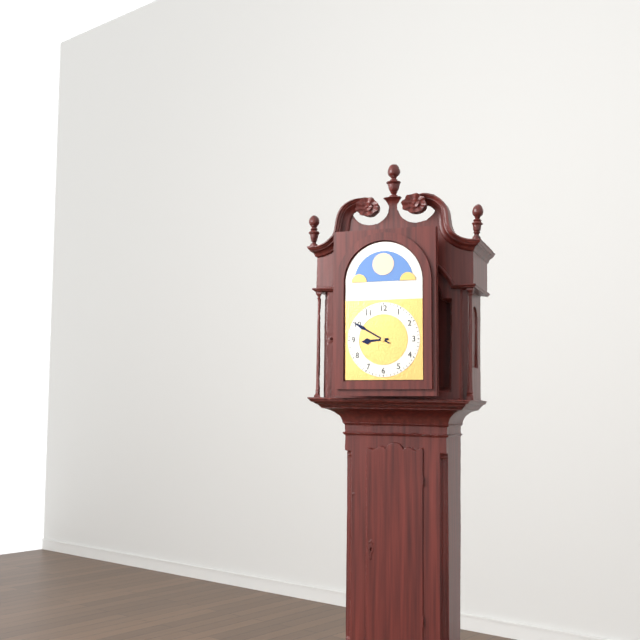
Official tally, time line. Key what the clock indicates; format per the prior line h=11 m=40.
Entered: h=8 m=50
